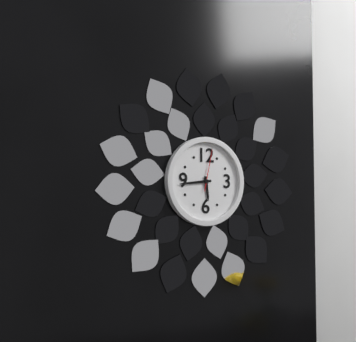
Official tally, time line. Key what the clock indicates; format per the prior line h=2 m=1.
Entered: h=5 m=44
